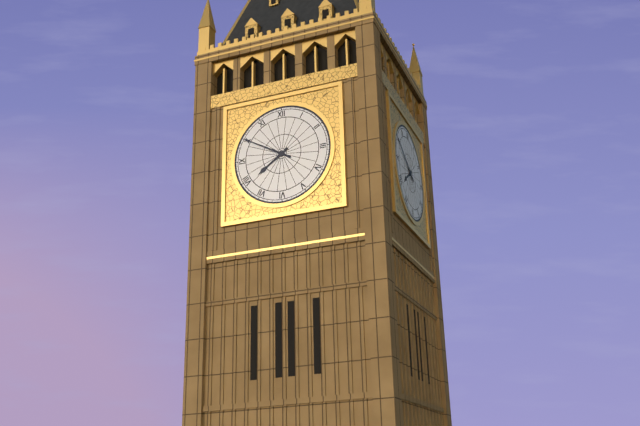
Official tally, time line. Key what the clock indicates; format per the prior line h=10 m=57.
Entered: h=7 m=50
